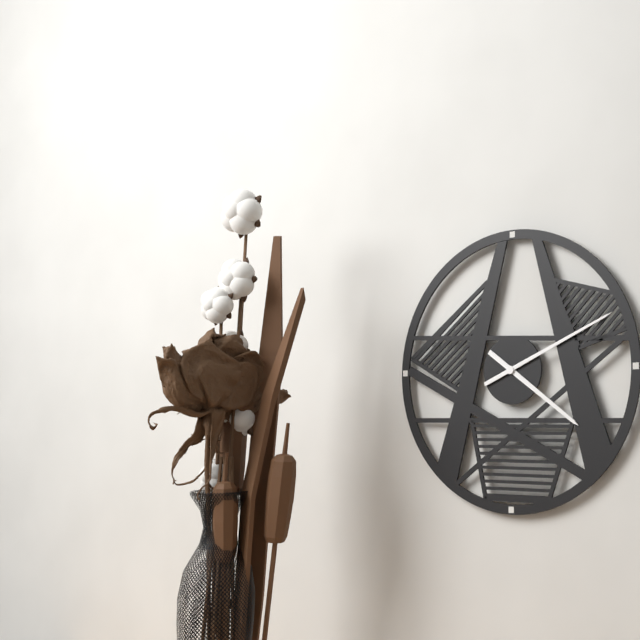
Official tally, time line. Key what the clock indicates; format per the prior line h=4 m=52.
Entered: h=4 m=11
